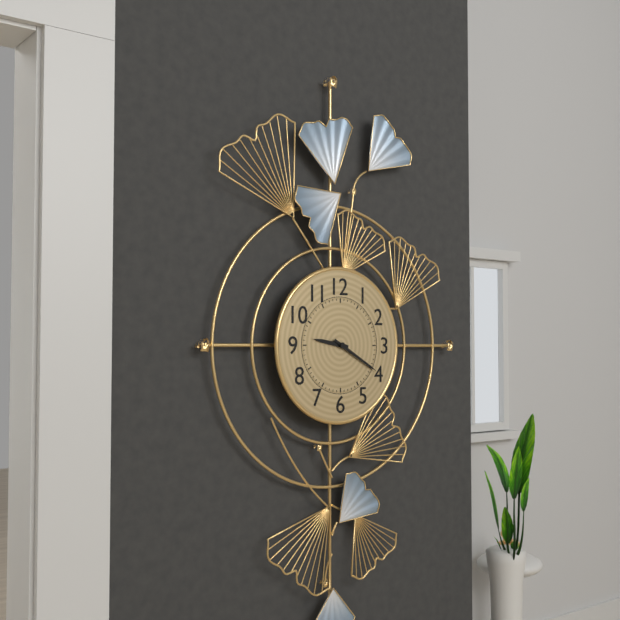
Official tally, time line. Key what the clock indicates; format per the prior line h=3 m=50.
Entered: h=9 m=20
